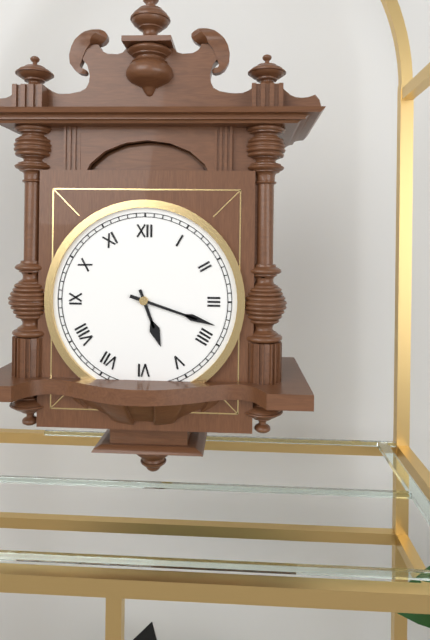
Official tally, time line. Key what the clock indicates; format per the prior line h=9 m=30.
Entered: h=5 m=18
